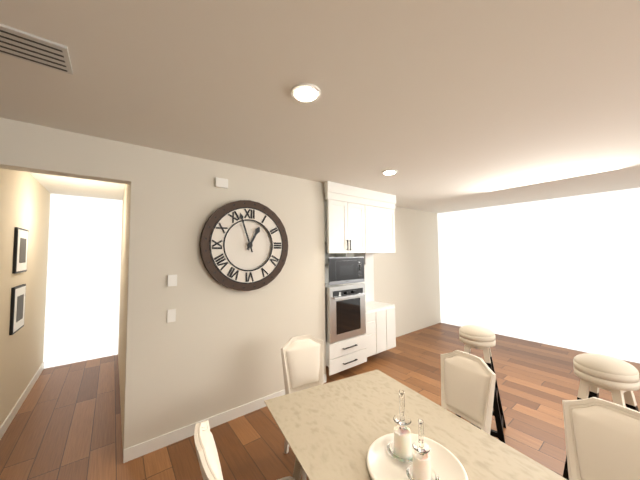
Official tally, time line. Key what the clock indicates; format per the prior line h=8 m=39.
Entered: h=12 m=57
